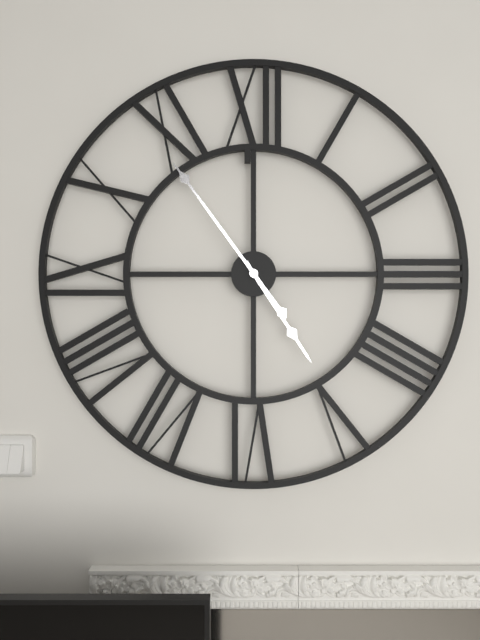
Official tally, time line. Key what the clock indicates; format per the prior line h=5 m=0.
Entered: h=4 m=54
